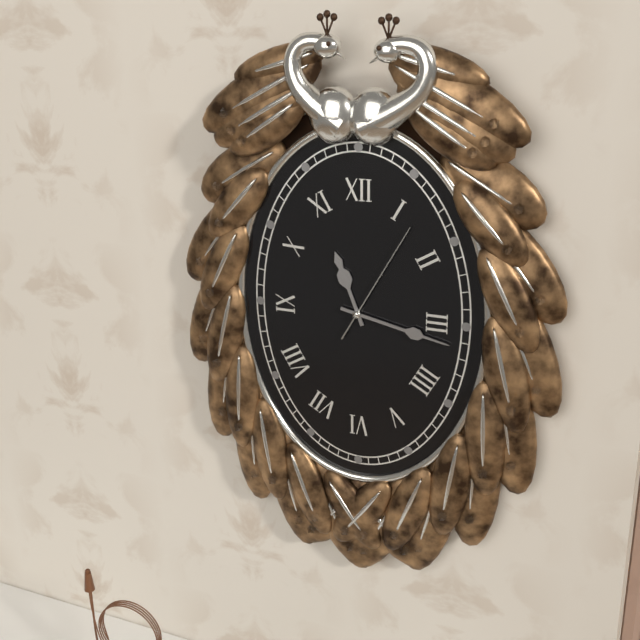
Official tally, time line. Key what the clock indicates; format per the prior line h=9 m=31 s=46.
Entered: h=11 m=17 s=5
